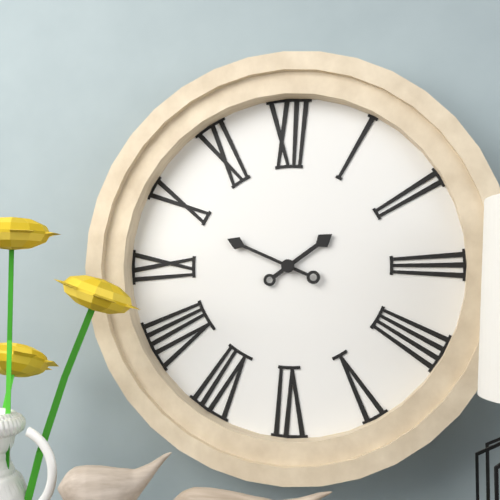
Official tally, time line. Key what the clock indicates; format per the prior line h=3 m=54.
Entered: h=1 m=49
